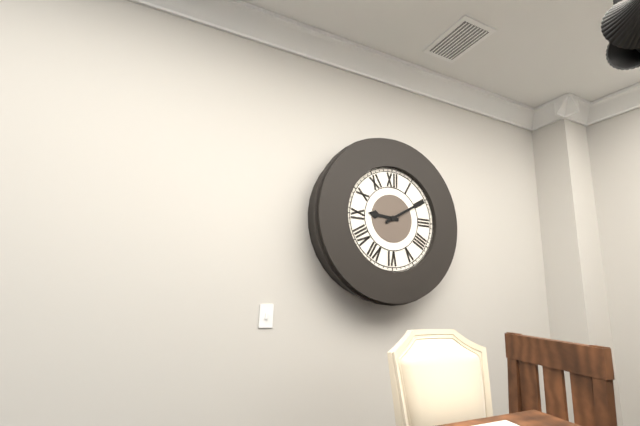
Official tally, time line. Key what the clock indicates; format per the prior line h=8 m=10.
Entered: h=9 m=10
